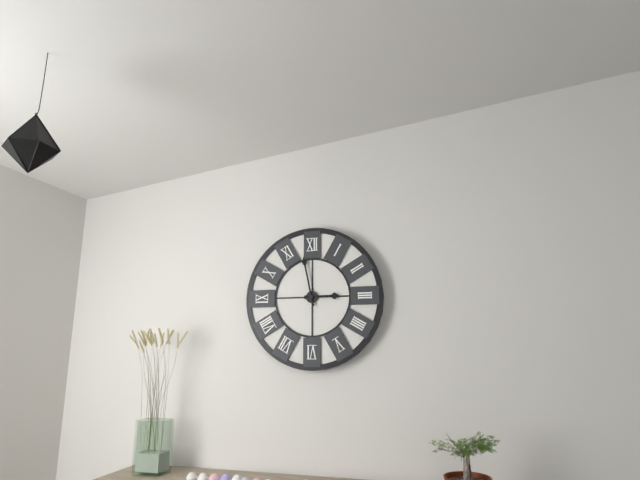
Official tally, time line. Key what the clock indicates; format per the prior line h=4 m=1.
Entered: h=2 m=58
